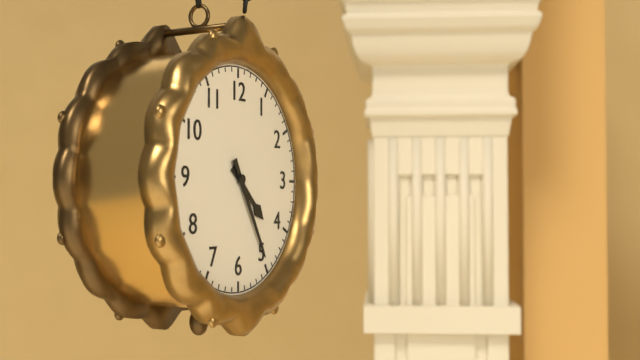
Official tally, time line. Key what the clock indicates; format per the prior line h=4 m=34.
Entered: h=4 m=25
